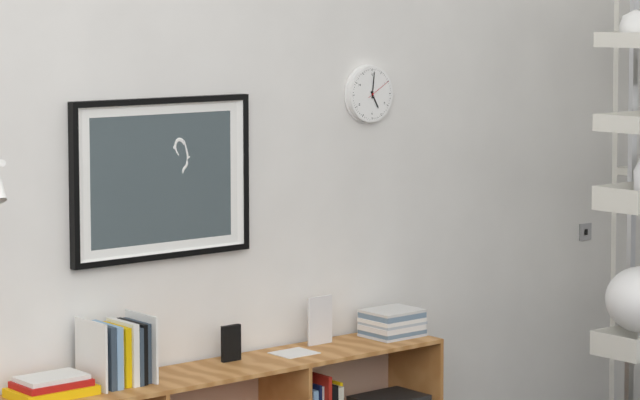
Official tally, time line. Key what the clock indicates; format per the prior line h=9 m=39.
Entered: h=5 m=1
